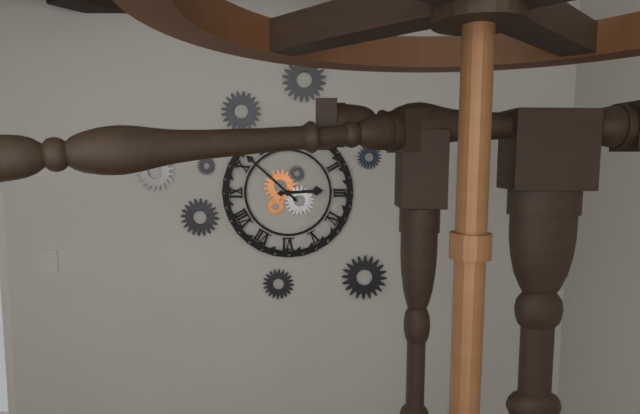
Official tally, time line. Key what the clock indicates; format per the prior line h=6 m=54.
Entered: h=2 m=52
